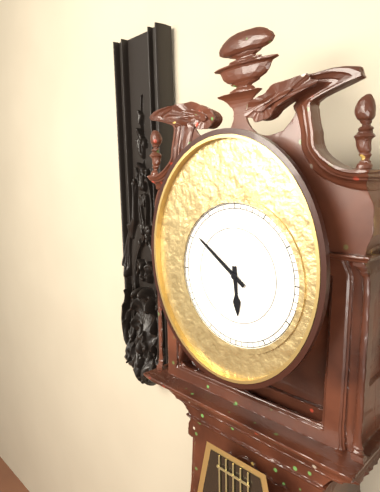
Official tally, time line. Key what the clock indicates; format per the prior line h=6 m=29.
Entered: h=5 m=51
